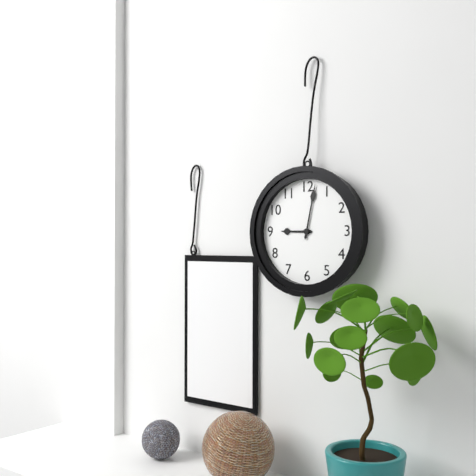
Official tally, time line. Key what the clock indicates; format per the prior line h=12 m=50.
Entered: h=9 m=2
